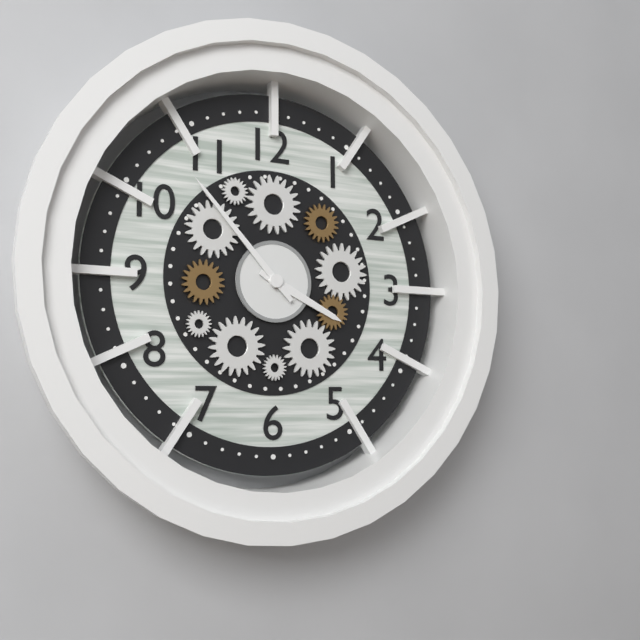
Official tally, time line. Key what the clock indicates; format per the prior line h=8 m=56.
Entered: h=3 m=53
